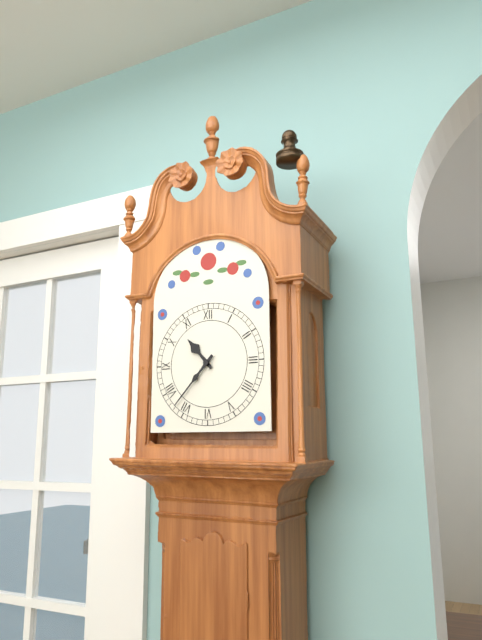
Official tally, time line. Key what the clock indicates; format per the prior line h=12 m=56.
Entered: h=10 m=37
